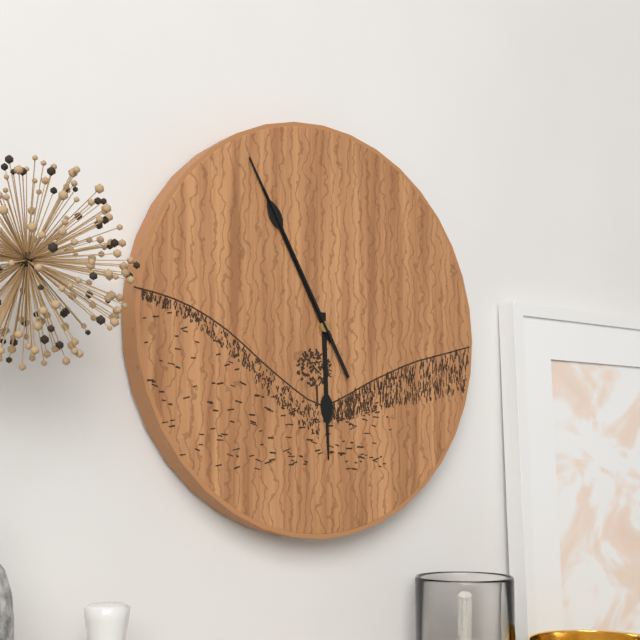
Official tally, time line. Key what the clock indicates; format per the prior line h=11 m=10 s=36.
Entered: h=5 m=55 s=55
